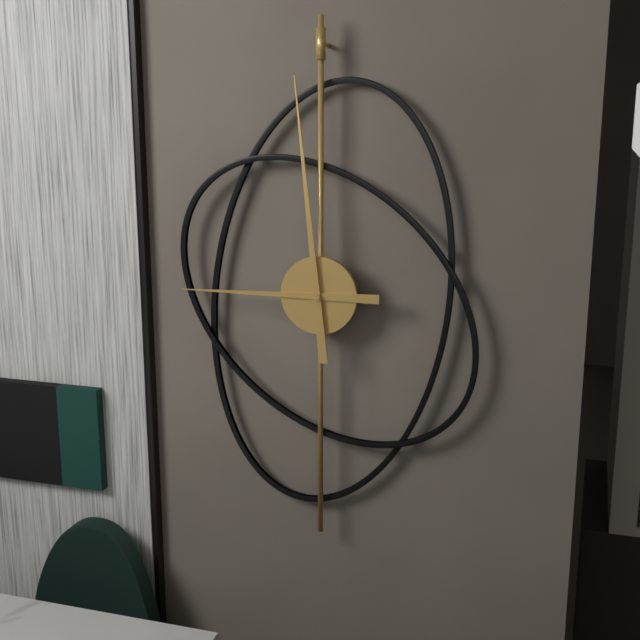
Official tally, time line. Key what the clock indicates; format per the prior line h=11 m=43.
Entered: h=8 m=59
